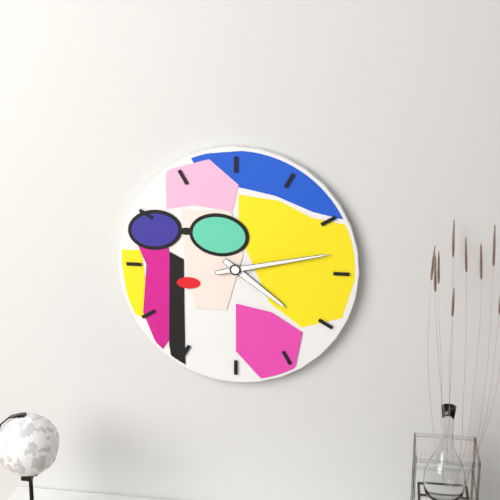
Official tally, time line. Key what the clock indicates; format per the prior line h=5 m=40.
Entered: h=4 m=13
